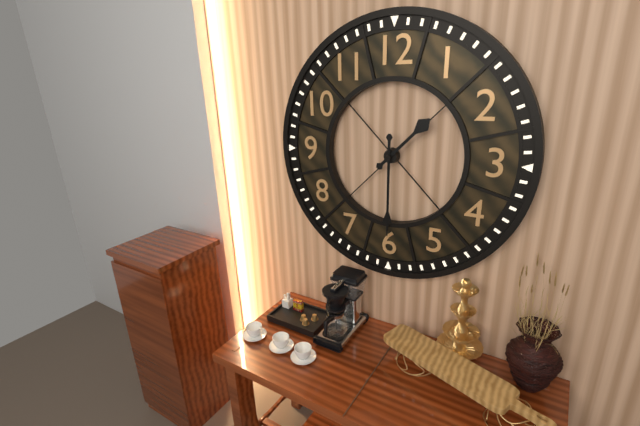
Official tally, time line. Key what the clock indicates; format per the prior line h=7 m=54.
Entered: h=1 m=30
